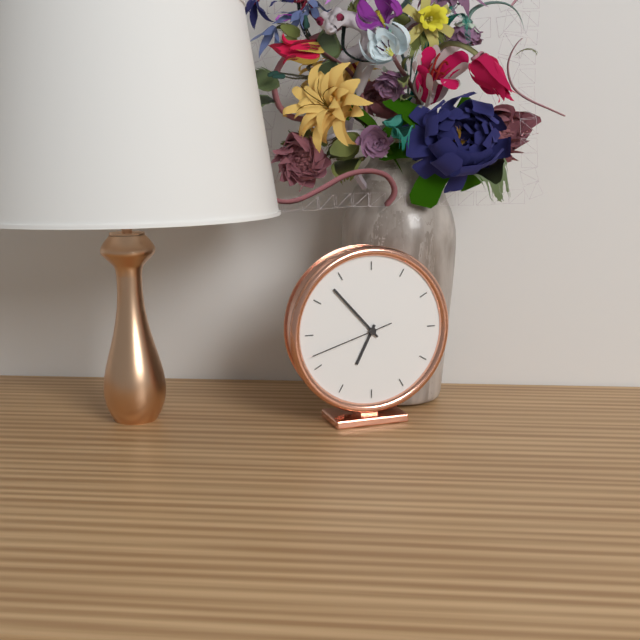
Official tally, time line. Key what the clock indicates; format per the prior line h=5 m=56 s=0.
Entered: h=6 m=53 s=42
